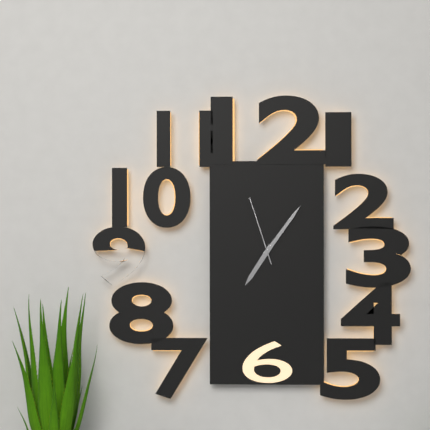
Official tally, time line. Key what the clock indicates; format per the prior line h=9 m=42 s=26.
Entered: h=7 m=6 s=57
